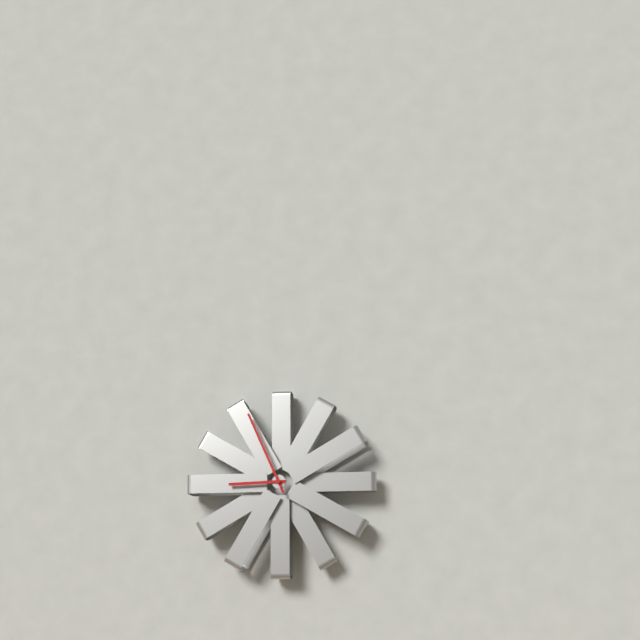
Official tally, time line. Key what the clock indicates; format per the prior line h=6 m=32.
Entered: h=8 m=56
